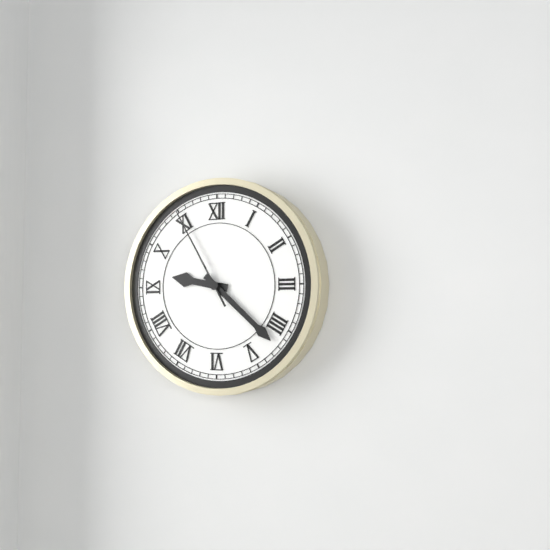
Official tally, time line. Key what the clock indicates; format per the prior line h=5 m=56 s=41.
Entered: h=9 m=22 s=55
